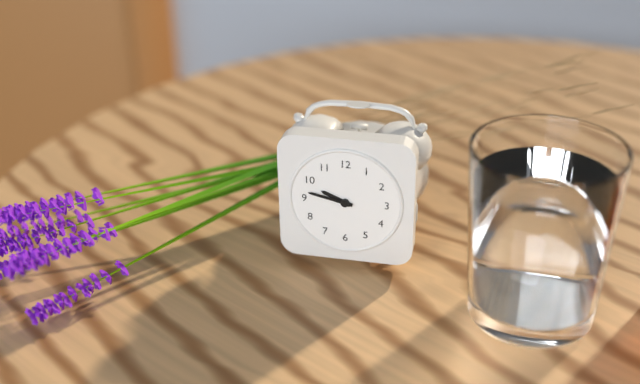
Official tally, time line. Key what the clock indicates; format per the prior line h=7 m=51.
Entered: h=9 m=47
